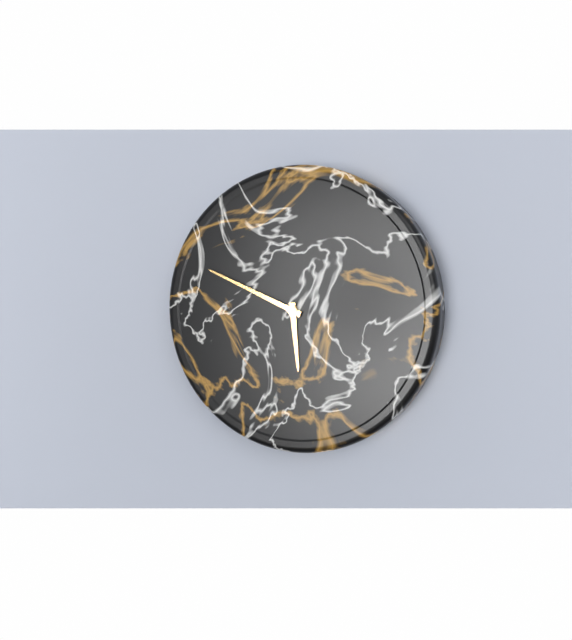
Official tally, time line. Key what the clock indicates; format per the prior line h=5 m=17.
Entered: h=5 m=49
